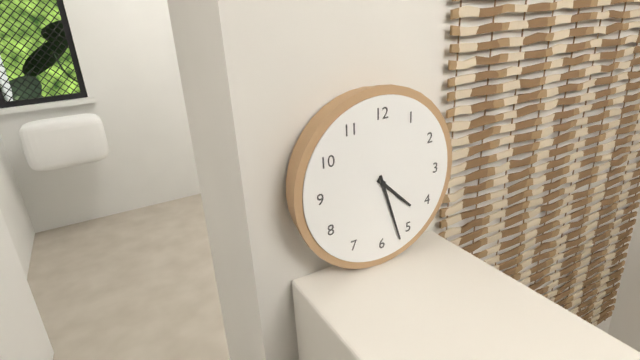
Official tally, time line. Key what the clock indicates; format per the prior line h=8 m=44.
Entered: h=4 m=27
